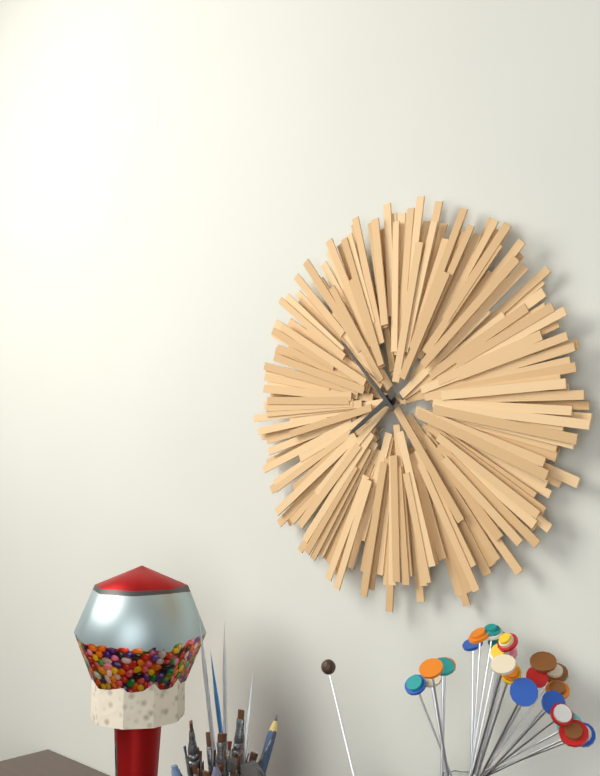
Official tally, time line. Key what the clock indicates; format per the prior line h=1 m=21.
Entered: h=7 m=53
